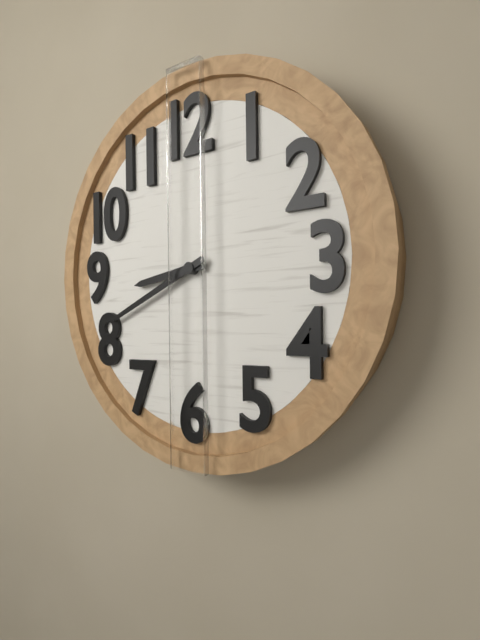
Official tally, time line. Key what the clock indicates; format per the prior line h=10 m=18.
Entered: h=8 m=41
